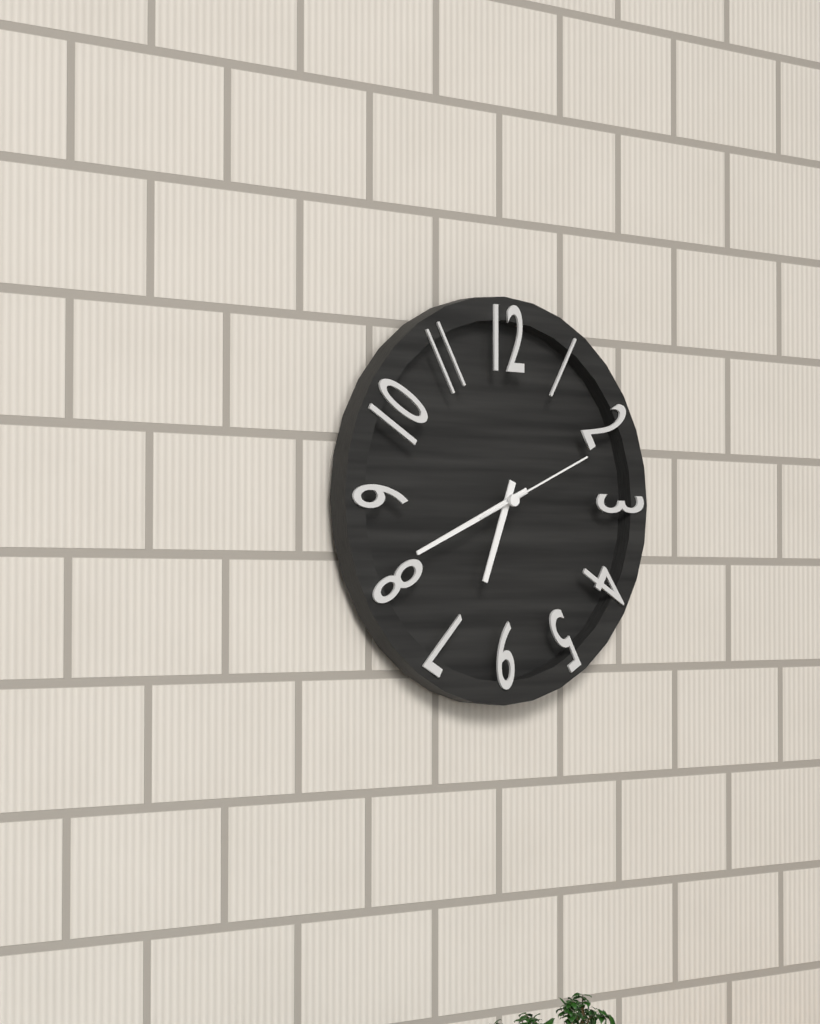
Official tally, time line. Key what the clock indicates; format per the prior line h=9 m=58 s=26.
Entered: h=6 m=41 s=11
